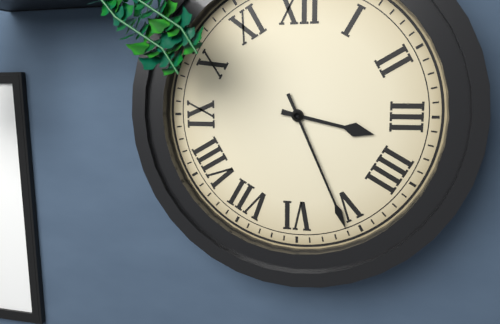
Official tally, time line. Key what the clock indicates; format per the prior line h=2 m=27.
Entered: h=3 m=26
